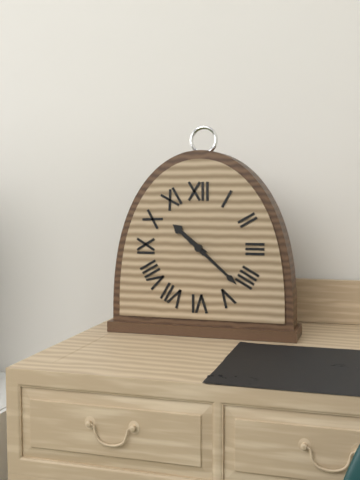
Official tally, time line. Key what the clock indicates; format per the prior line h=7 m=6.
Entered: h=10 m=22
